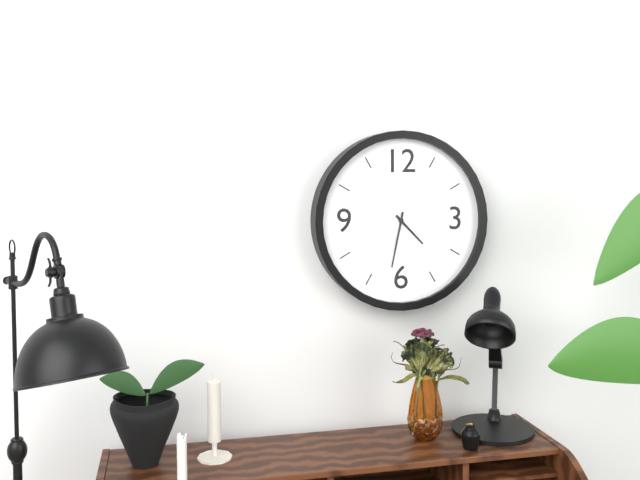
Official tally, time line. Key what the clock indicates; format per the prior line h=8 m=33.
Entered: h=4 m=32
